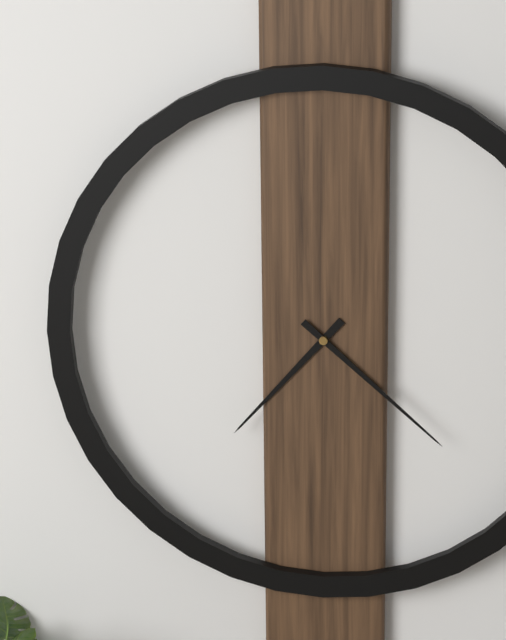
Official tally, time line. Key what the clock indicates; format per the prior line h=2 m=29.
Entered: h=7 m=22
